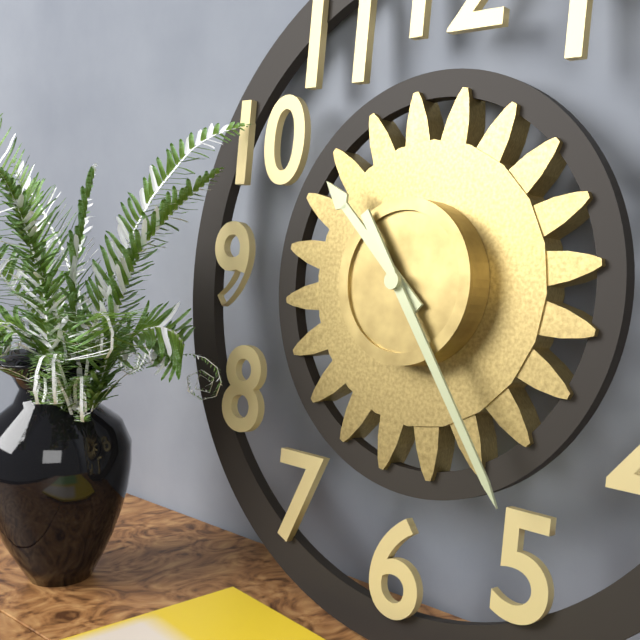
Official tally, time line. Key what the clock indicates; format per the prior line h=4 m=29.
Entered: h=10 m=24
